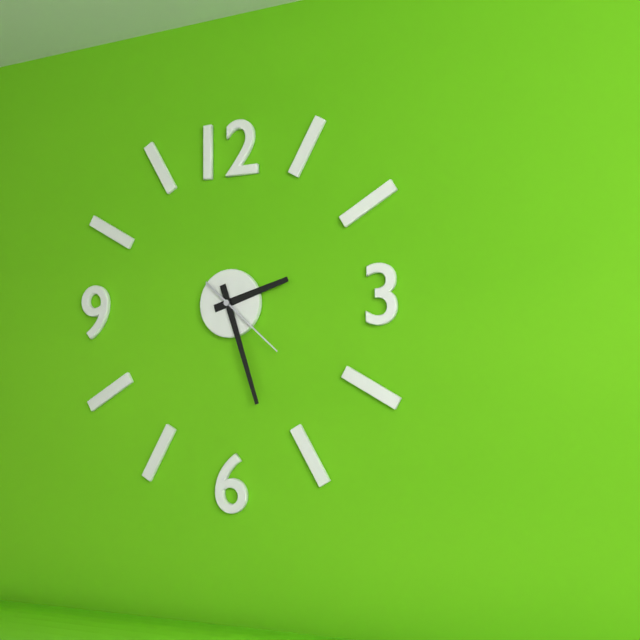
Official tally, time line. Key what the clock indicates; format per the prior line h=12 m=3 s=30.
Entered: h=2 m=27 s=22
